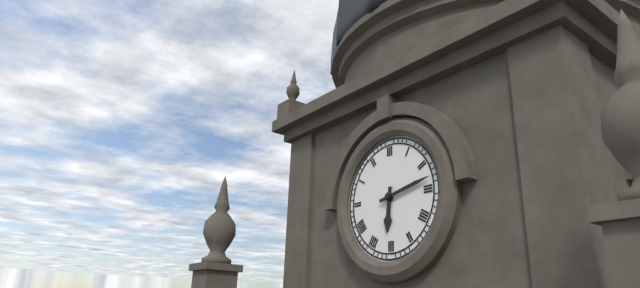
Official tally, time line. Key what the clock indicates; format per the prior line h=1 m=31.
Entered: h=6 m=13
